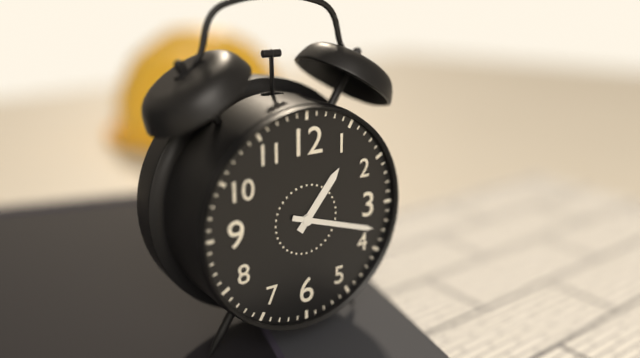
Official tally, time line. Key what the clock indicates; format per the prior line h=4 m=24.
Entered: h=1 m=18
